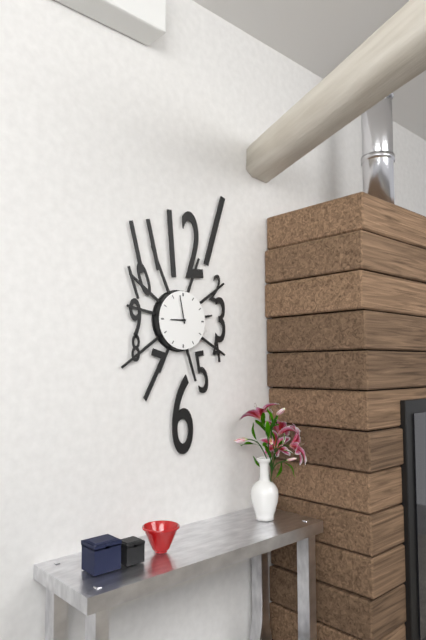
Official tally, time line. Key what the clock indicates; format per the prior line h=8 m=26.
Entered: h=8 m=58
